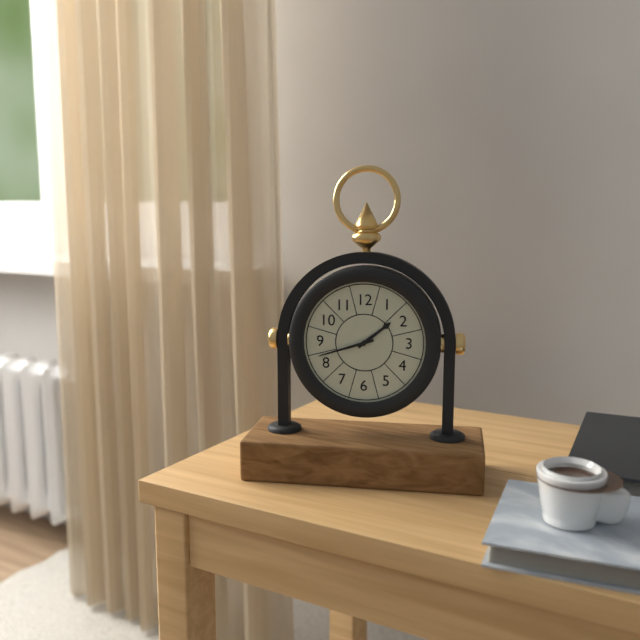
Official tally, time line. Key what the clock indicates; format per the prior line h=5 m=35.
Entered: h=1 m=42
